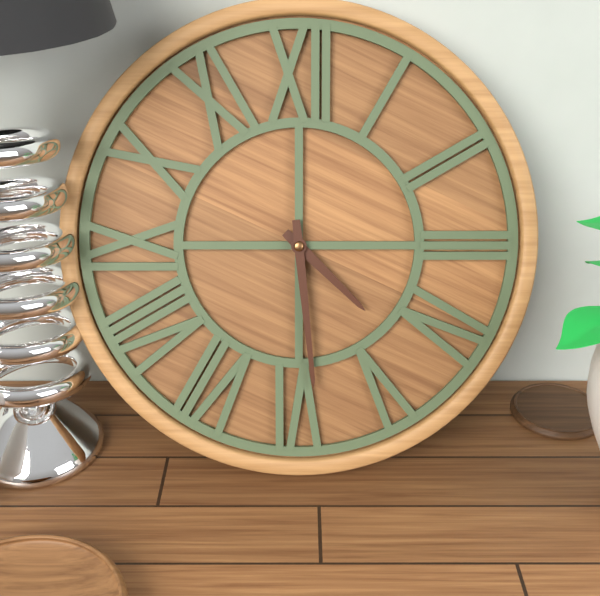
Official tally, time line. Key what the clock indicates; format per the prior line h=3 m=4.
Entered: h=4 m=29
